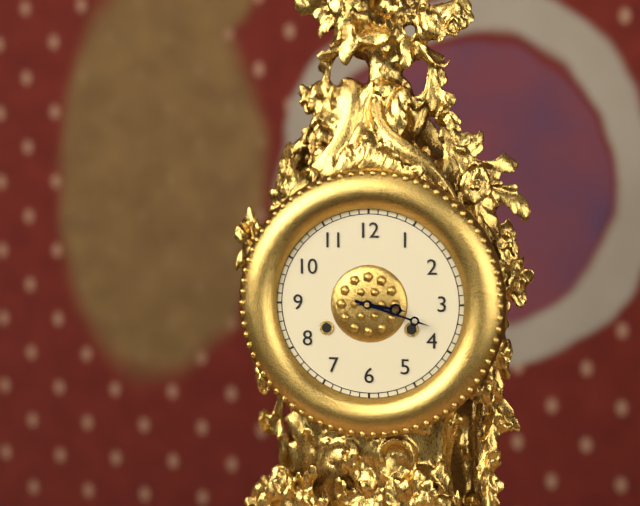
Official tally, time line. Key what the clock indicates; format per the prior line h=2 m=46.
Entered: h=3 m=18
